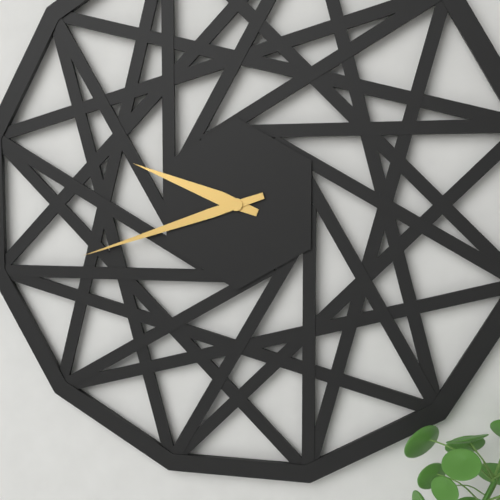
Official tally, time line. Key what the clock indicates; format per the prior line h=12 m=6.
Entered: h=9 m=42
